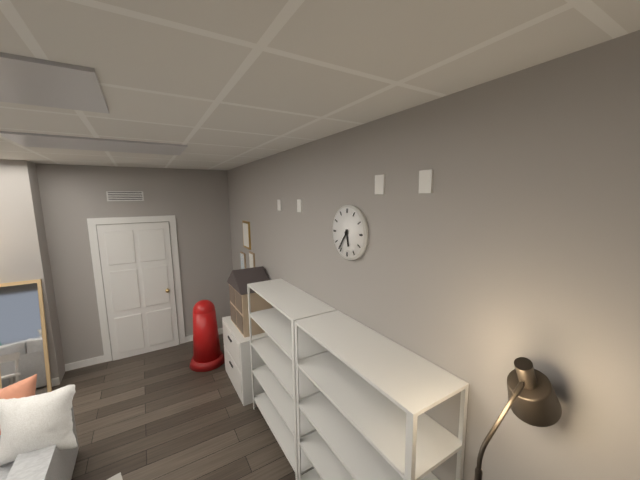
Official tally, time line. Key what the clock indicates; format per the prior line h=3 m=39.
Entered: h=5 m=36
